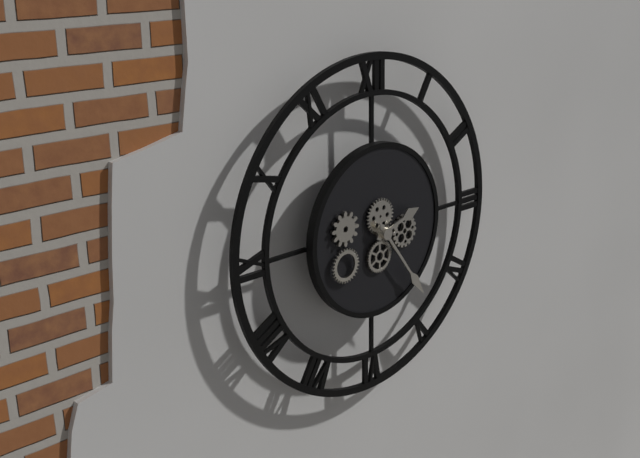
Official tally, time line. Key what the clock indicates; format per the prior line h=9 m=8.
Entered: h=2 m=24
